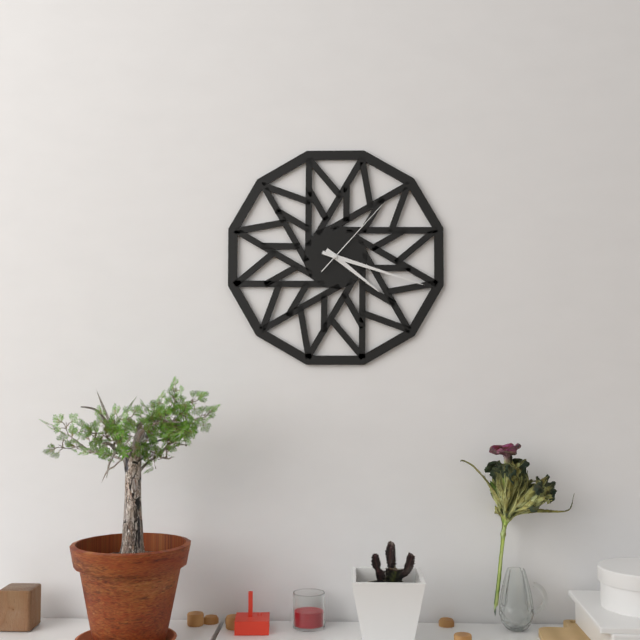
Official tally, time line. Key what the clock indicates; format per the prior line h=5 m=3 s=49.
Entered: h=4 m=18 s=7
